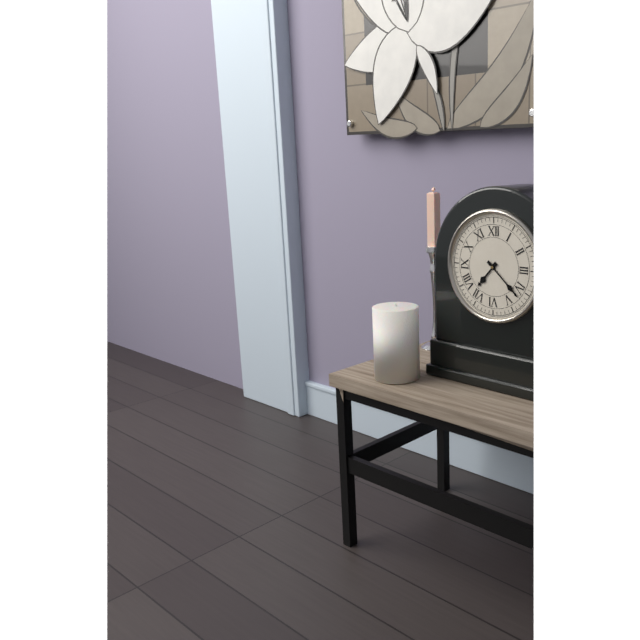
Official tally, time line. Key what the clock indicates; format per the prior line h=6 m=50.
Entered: h=7 m=22
